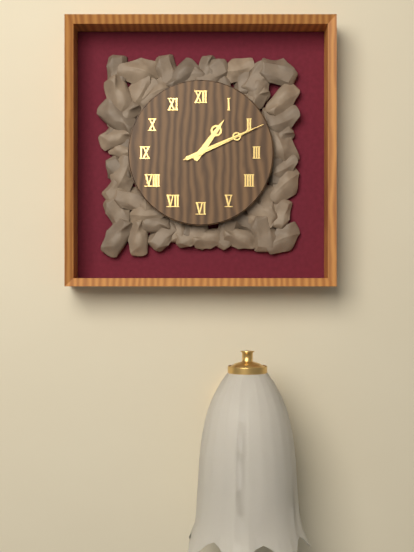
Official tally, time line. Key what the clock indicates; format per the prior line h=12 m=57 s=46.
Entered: h=1 m=11 s=11
